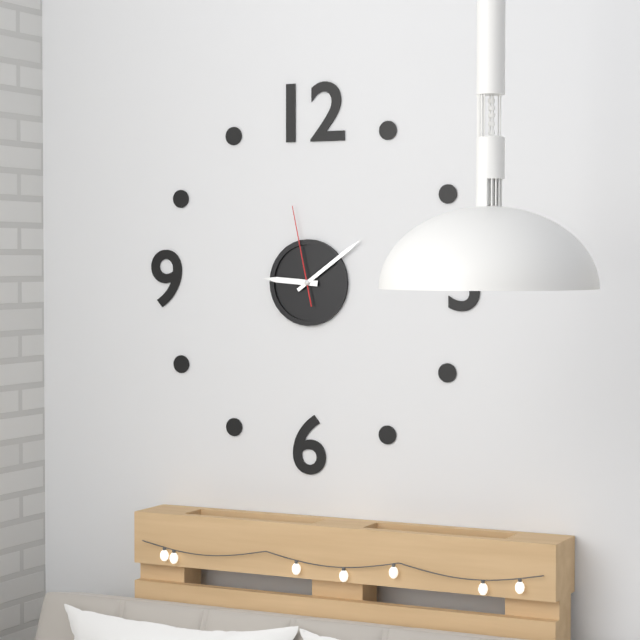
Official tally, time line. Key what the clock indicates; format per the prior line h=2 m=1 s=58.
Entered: h=9 m=9 s=58
